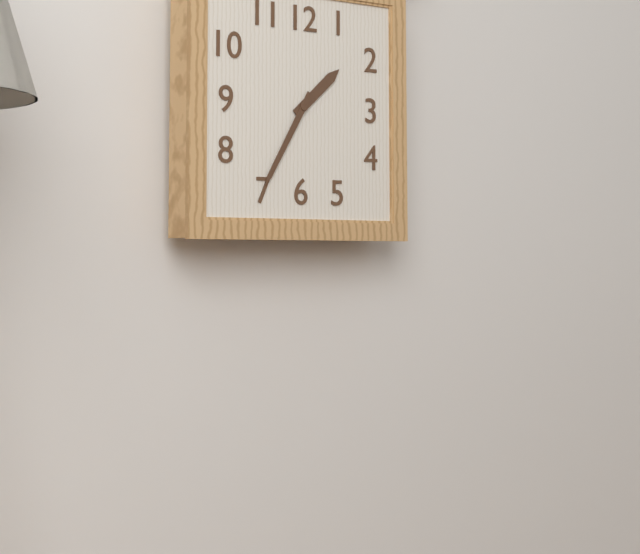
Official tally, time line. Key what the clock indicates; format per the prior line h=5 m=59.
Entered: h=1 m=35
